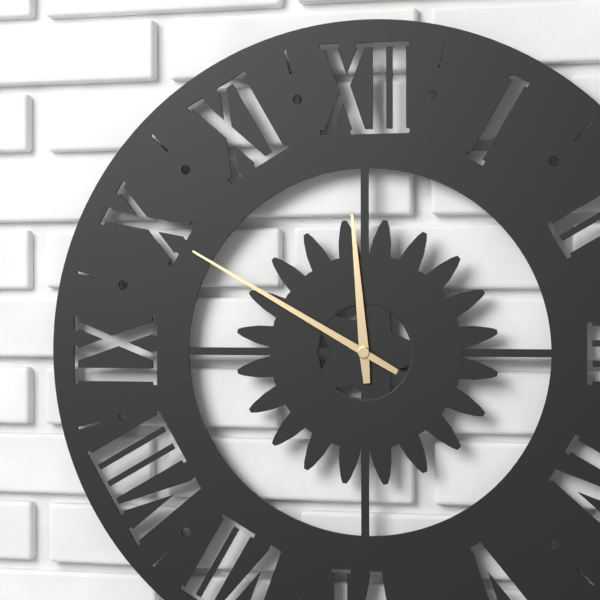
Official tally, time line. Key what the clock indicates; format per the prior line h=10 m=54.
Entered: h=11 m=50
